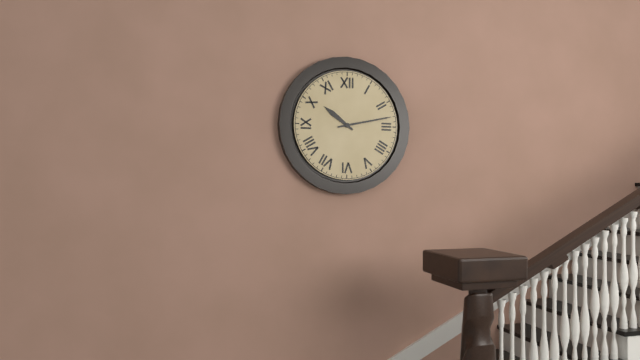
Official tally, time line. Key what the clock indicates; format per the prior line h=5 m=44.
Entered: h=10 m=13
